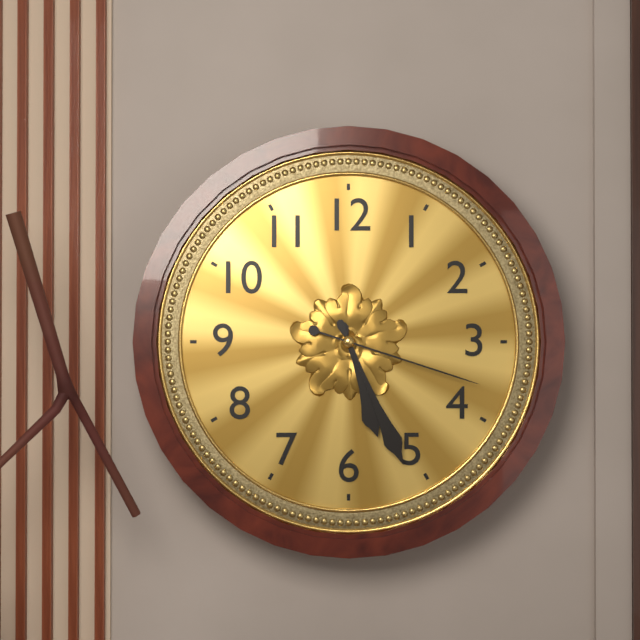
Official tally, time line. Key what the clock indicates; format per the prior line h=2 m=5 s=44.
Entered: h=5 m=26 s=18
